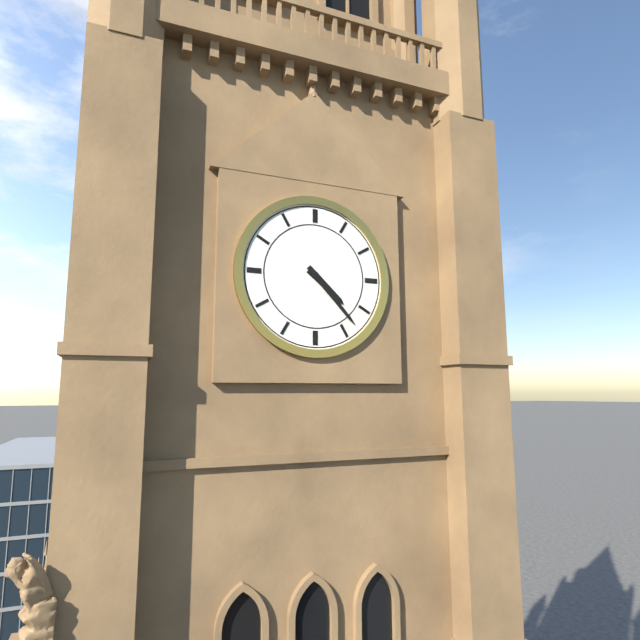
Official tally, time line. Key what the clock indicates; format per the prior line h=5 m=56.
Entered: h=4 m=23
